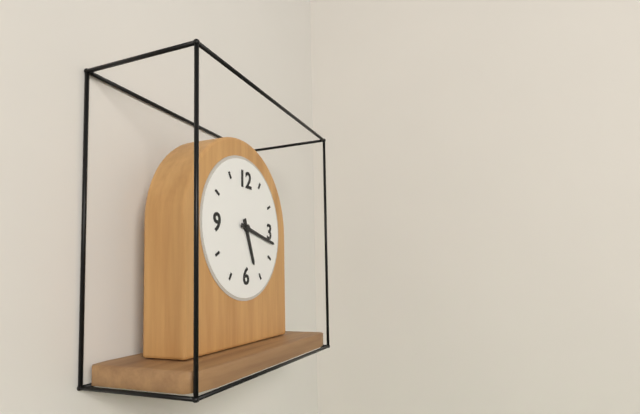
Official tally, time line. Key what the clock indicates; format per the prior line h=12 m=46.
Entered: h=5 m=17
